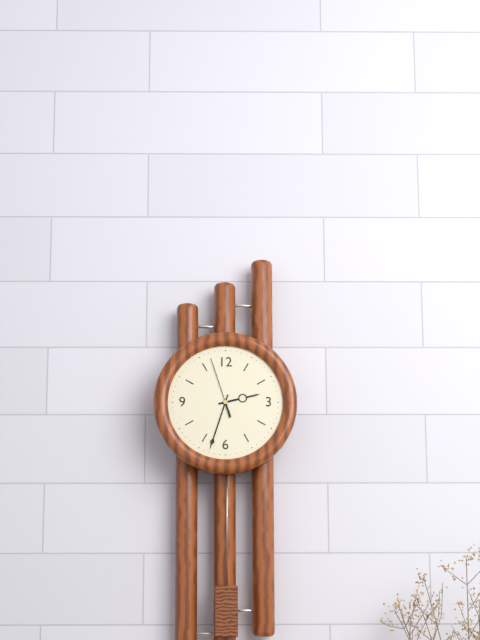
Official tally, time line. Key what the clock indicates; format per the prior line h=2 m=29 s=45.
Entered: h=2 m=33 s=57
